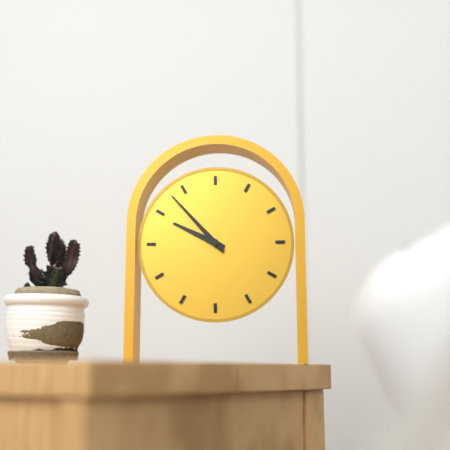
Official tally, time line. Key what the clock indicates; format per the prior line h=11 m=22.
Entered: h=9 m=53
